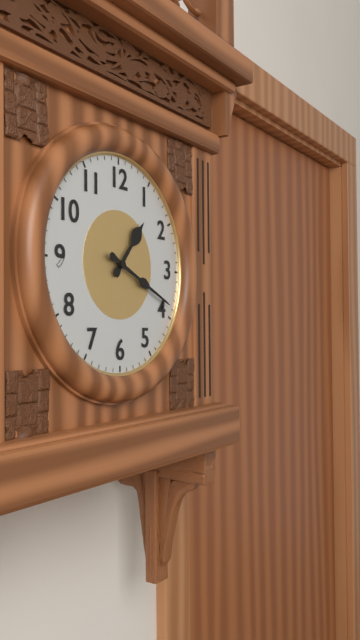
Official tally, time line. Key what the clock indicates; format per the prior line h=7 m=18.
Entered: h=1 m=19
